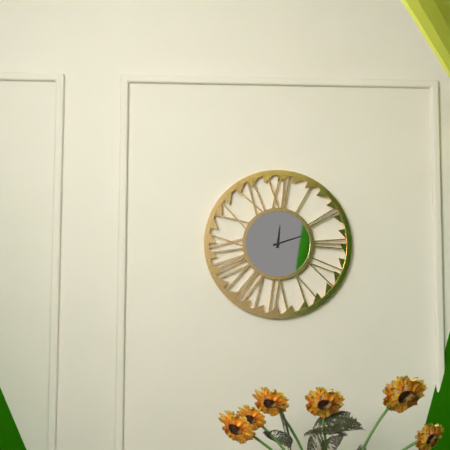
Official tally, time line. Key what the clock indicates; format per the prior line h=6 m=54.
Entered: h=12 m=12
